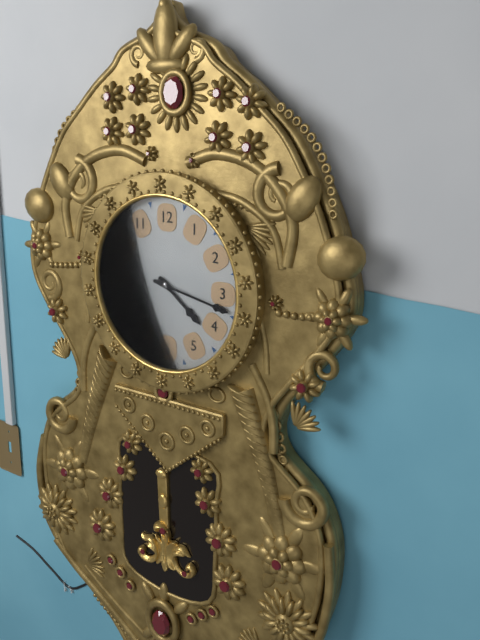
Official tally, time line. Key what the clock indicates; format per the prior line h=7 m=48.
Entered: h=4 m=17
